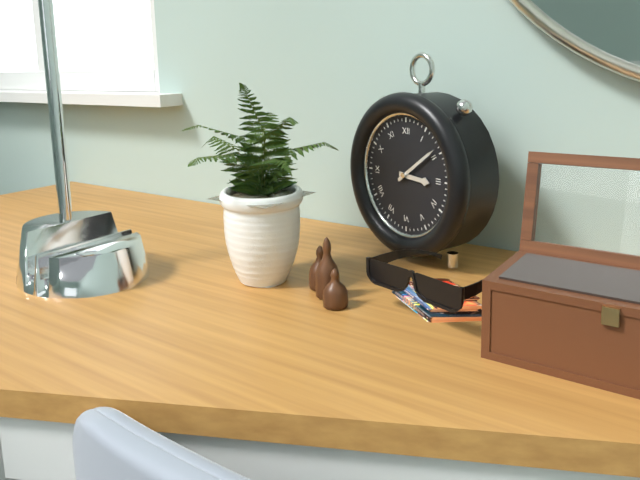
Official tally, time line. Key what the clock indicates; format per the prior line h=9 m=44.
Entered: h=3 m=9
